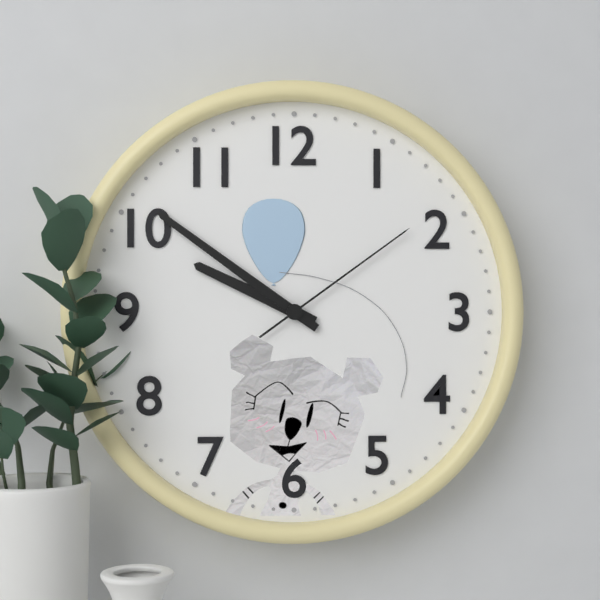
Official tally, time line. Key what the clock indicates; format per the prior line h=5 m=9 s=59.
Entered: h=9 m=51 s=9
